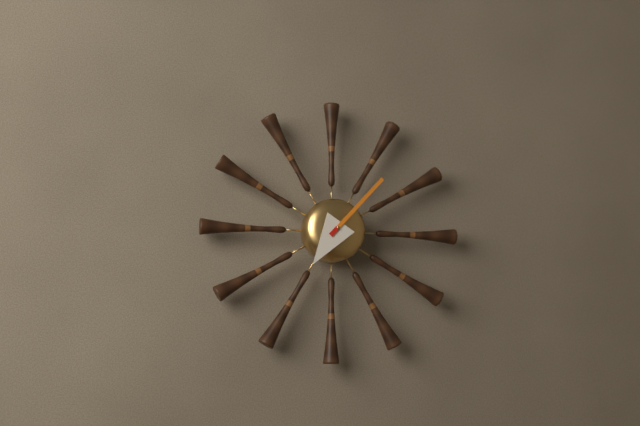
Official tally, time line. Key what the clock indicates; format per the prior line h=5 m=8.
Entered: h=7 m=7
